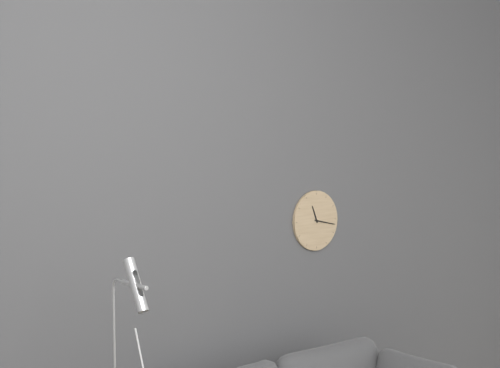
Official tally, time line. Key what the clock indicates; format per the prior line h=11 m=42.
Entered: h=11 m=17
